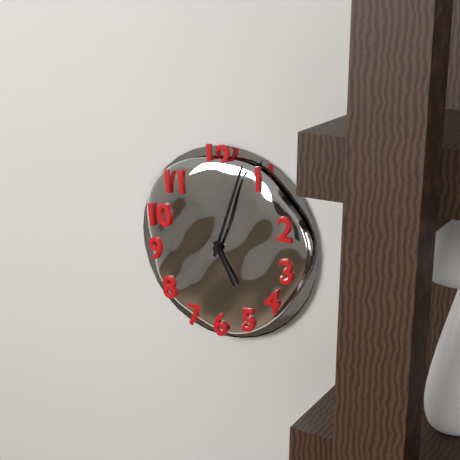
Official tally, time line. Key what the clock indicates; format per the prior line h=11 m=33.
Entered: h=5 m=3
